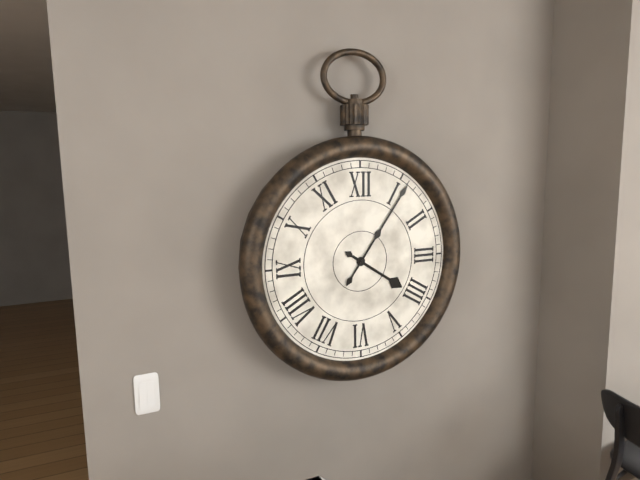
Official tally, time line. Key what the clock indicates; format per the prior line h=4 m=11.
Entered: h=4 m=6
